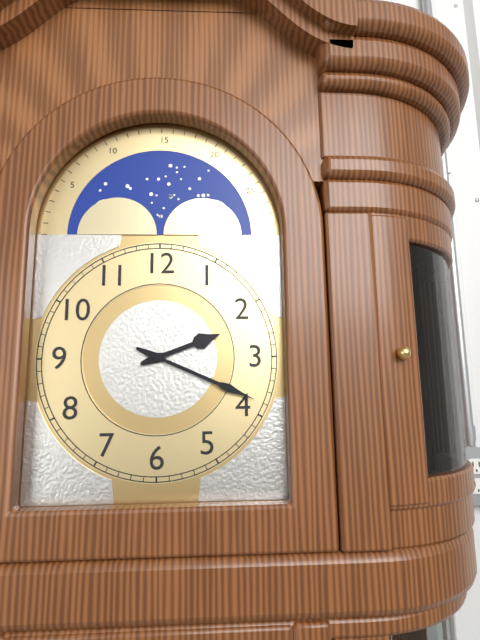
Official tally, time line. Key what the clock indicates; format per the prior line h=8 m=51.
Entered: h=2 m=19
